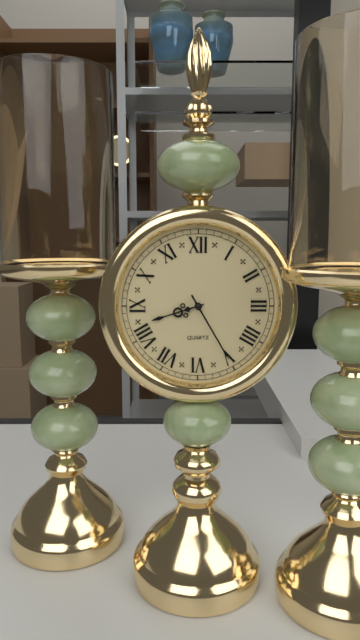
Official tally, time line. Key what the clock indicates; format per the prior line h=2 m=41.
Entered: h=8 m=25
